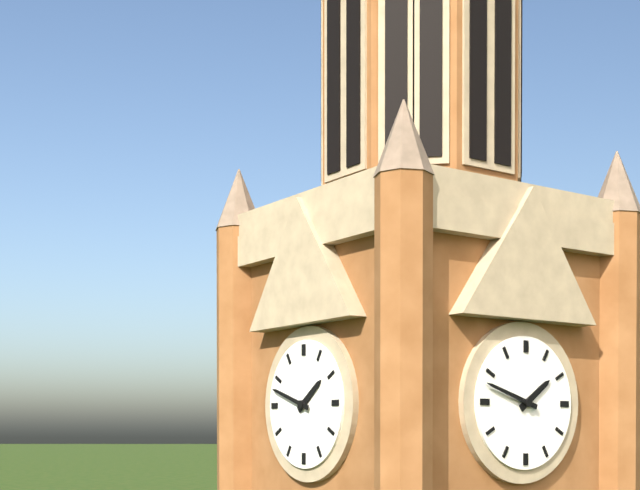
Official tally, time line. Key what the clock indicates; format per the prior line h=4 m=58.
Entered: h=1 m=48
